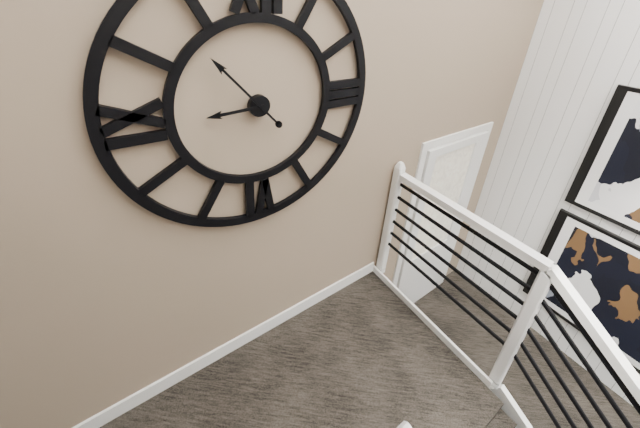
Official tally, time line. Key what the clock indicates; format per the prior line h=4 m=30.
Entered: h=8 m=53
